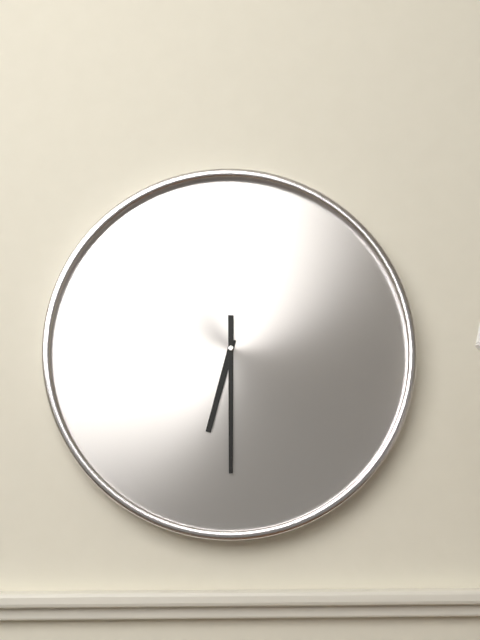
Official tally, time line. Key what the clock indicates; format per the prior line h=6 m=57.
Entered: h=6 m=30
